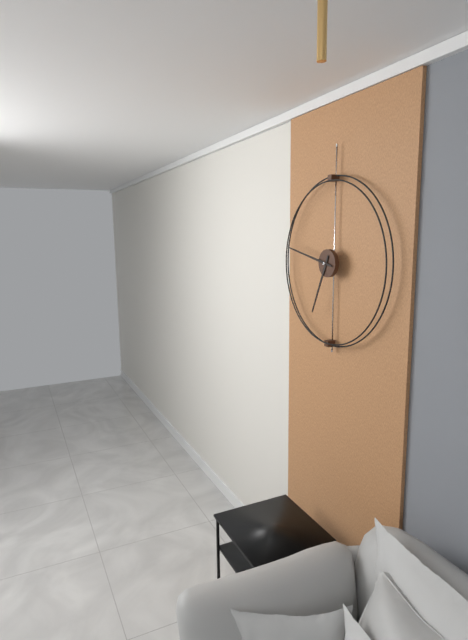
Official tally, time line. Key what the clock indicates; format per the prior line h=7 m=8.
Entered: h=6 m=47
